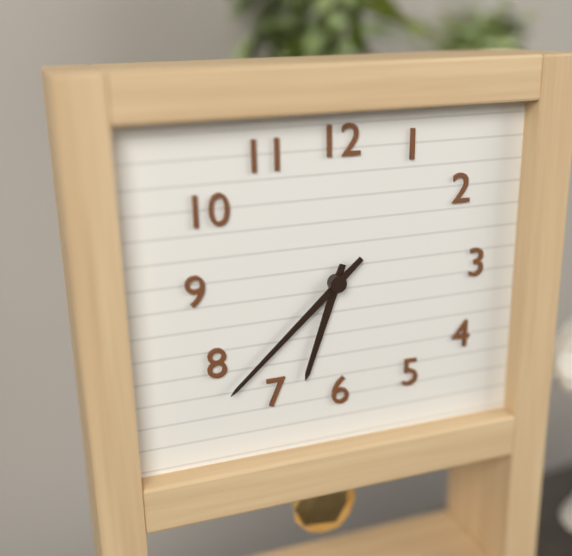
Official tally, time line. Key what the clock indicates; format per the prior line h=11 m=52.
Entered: h=6 m=38
